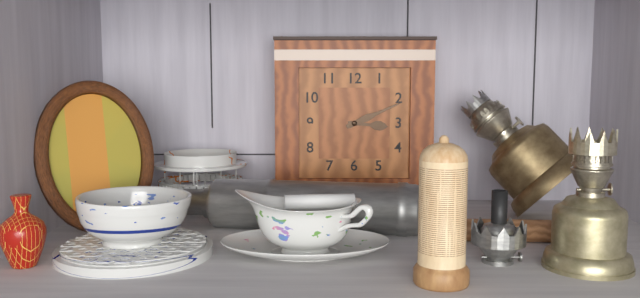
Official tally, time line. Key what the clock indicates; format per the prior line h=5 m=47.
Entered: h=3 m=11
